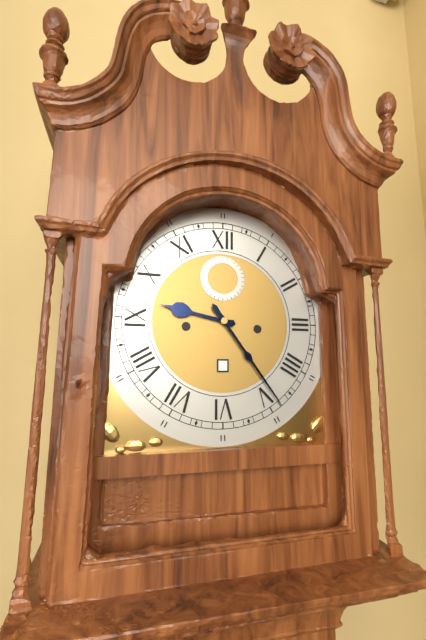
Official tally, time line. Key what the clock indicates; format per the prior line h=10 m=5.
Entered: h=9 m=24
